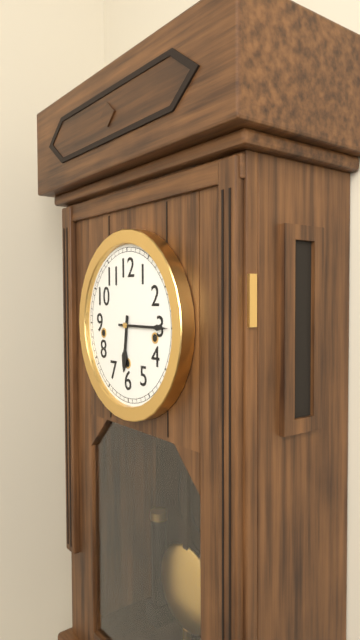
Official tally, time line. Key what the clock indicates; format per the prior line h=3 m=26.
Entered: h=6 m=15
